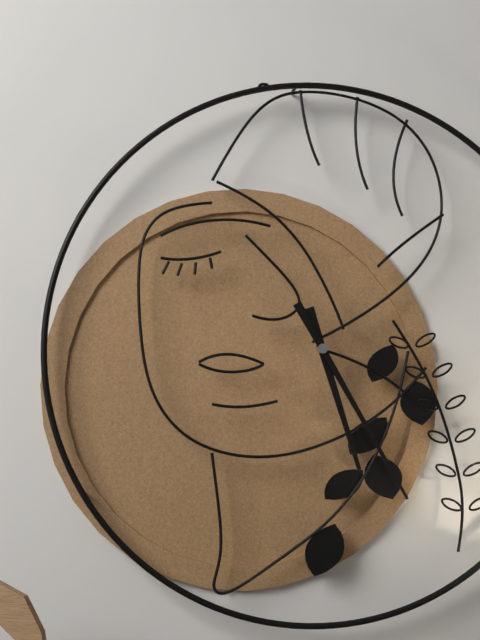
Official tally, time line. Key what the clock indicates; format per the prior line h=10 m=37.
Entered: h=5 m=25
